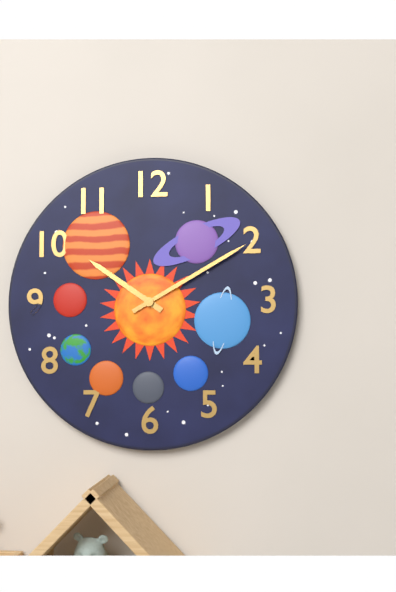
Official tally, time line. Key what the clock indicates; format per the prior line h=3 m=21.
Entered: h=10 m=10
